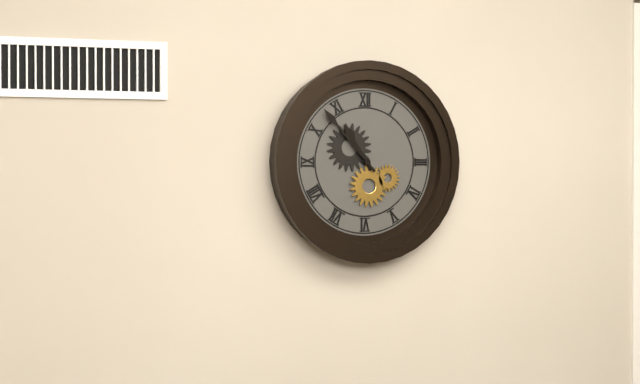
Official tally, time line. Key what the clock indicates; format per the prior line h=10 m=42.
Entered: h=10 m=53
